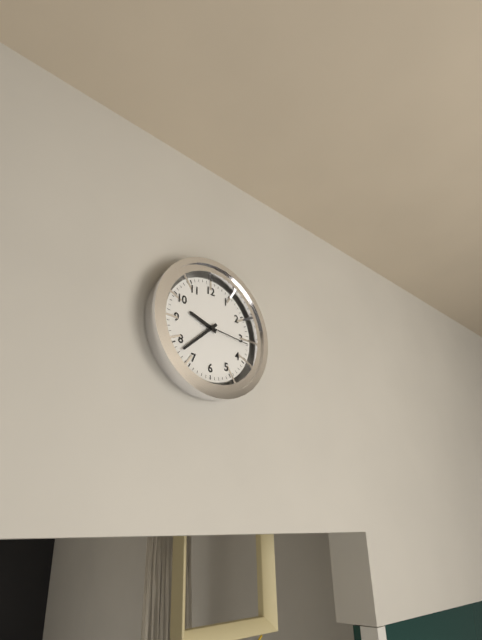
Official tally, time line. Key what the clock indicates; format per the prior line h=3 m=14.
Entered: h=9 m=38
